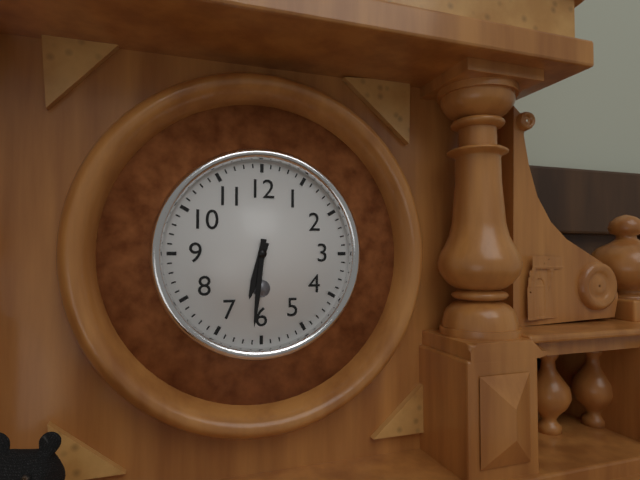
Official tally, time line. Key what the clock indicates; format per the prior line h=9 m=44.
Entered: h=6 m=31
